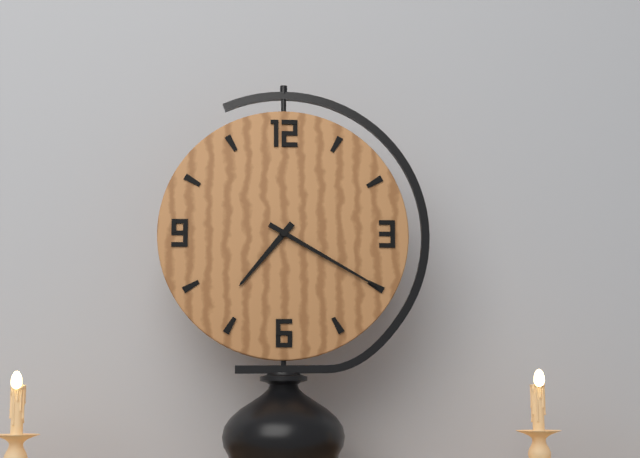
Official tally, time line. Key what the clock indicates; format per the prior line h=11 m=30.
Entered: h=7 m=20
